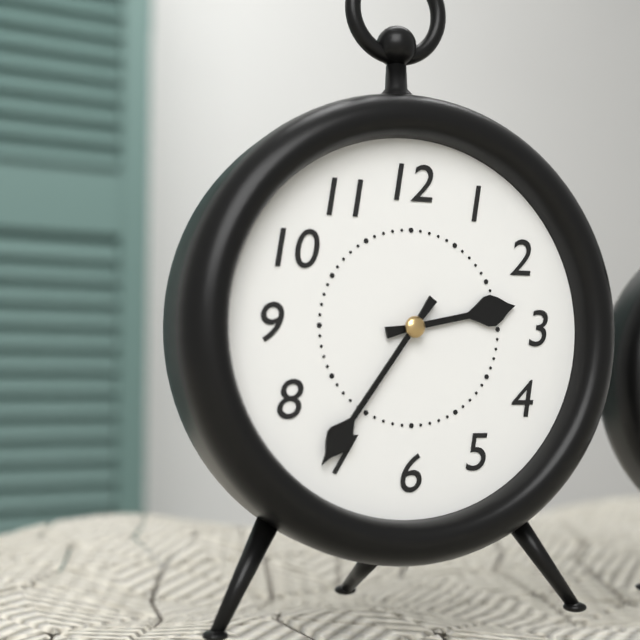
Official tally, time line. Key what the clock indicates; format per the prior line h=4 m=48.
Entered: h=2 m=36
